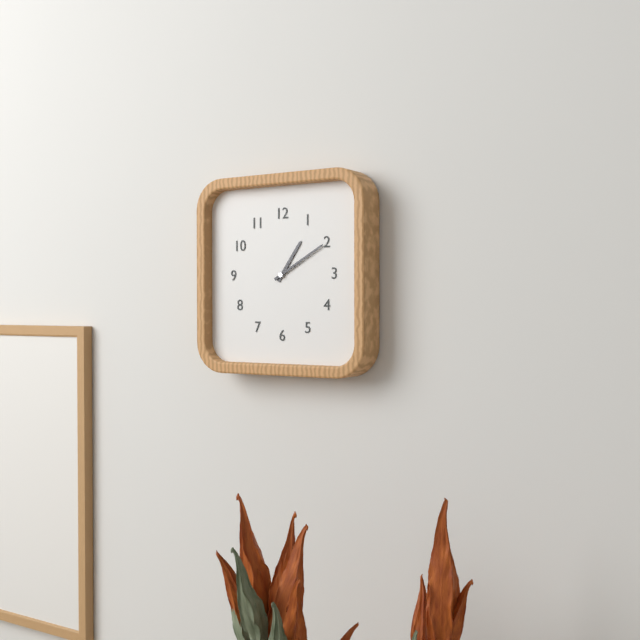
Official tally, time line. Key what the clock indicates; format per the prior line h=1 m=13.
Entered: h=1 m=10
